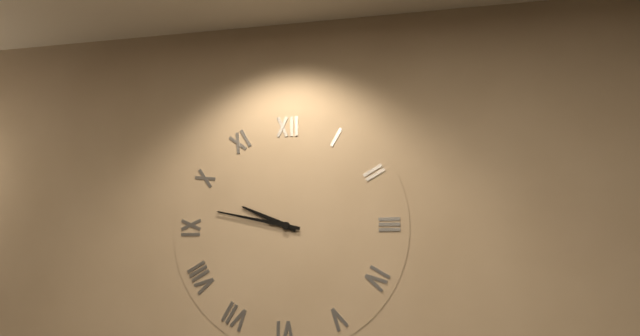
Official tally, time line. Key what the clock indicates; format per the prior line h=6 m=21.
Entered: h=9 m=47
